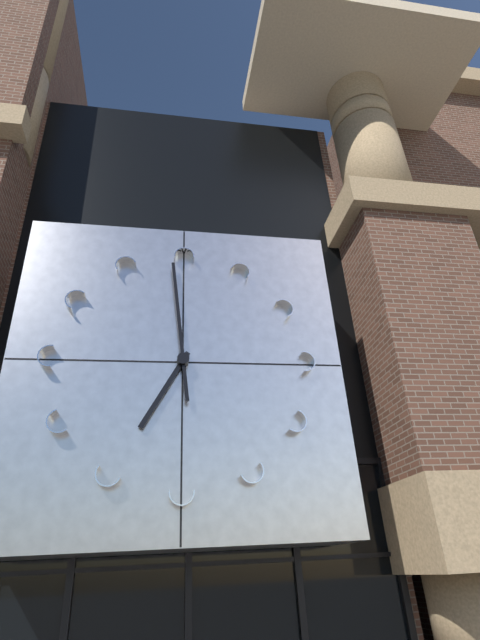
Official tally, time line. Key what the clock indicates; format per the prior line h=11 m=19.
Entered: h=6 m=59
